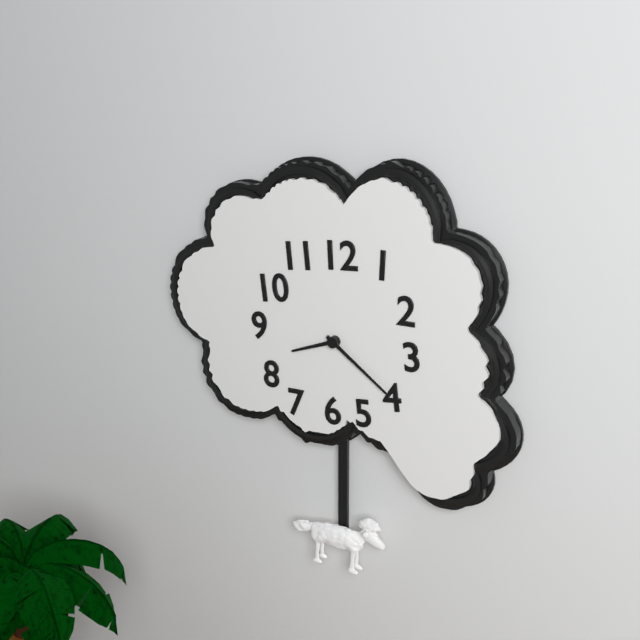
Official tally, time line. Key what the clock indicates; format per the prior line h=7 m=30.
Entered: h=8 m=21
